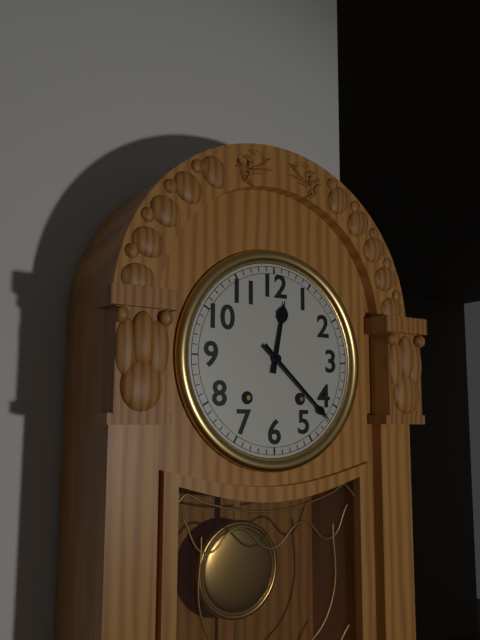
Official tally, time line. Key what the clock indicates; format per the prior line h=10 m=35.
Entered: h=12 m=22
